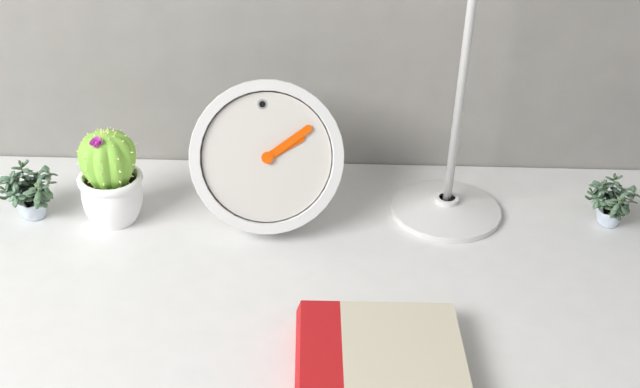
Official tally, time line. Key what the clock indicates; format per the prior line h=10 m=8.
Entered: h=2 m=10
